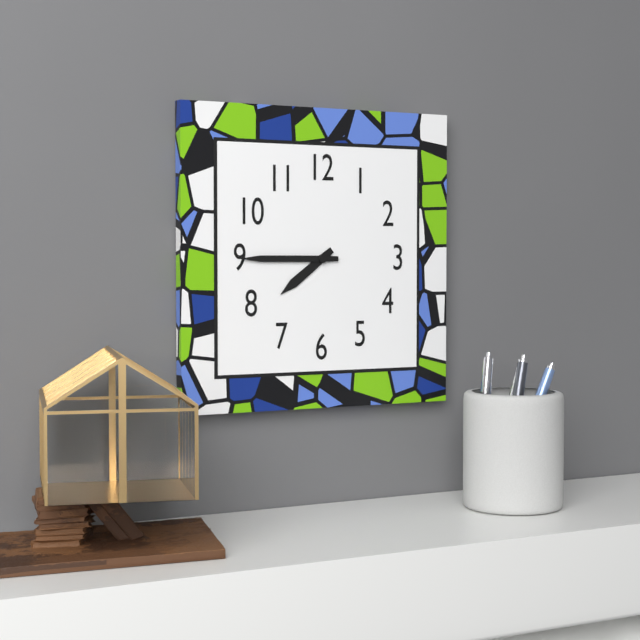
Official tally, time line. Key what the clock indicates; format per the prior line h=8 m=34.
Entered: h=7 m=45
